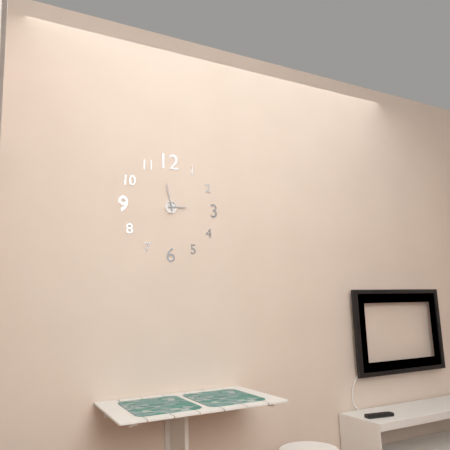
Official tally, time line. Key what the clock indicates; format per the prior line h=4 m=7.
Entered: h=2 m=58
